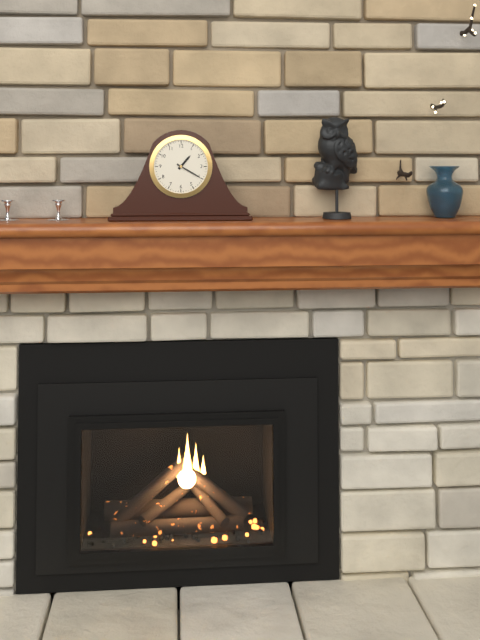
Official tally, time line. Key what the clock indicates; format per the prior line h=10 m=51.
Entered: h=1 m=20
